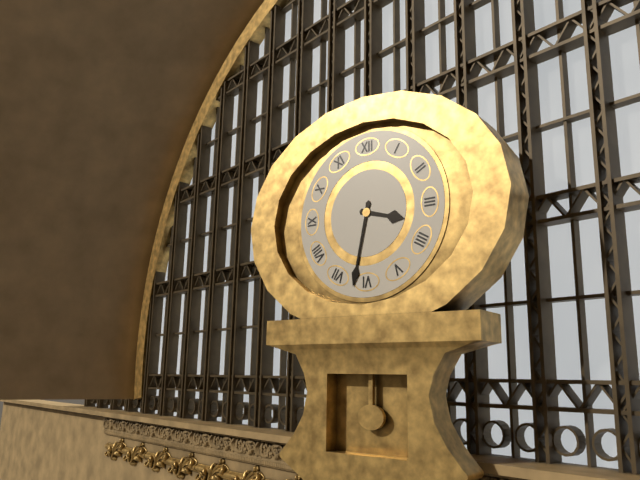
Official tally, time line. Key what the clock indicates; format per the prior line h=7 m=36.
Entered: h=3 m=32
